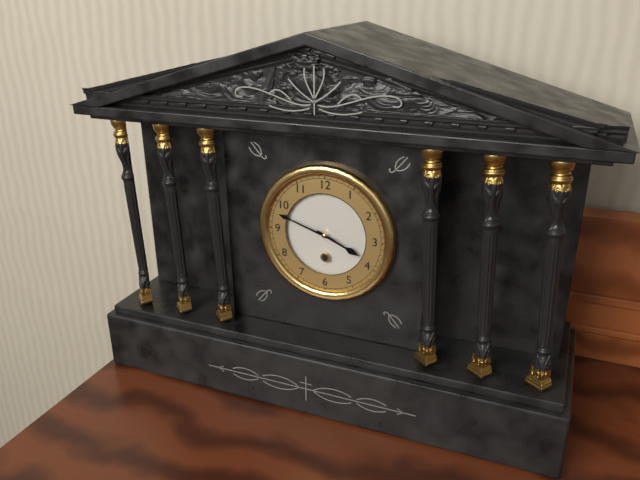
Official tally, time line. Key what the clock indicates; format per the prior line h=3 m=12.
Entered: h=3 m=48
